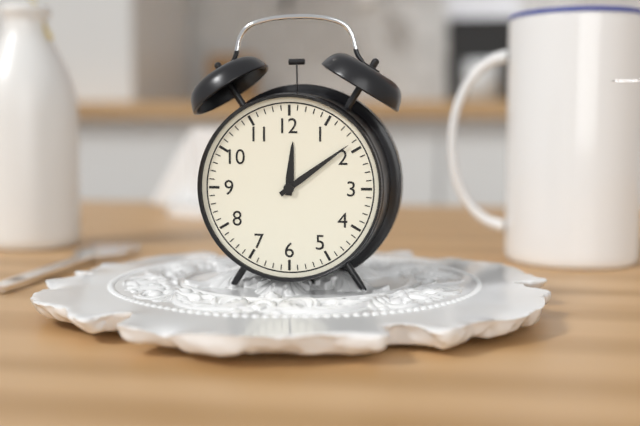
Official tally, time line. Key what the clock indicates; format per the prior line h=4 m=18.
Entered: h=12 m=9
